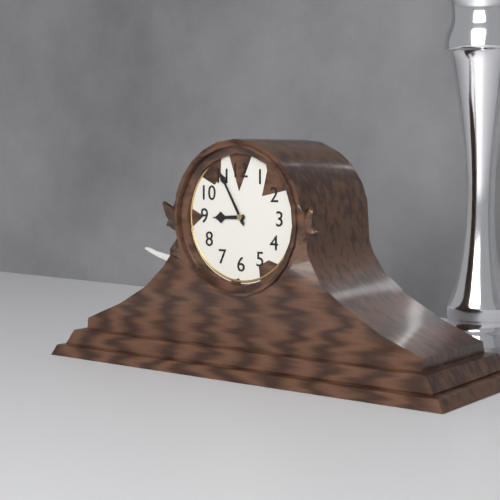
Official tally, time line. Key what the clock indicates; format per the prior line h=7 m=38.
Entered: h=8 m=55
